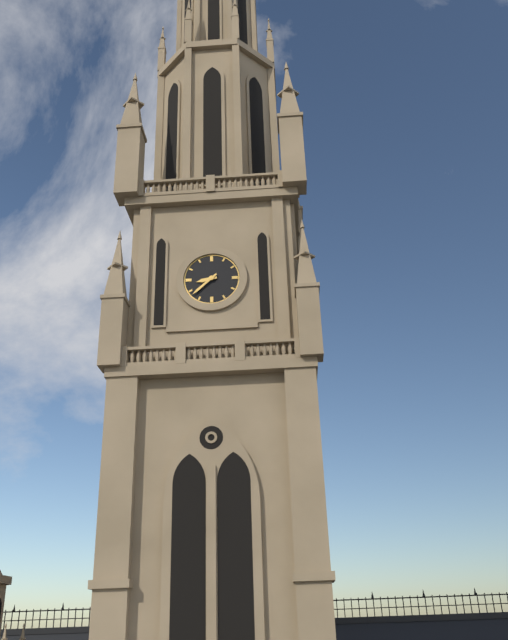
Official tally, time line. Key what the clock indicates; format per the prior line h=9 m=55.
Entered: h=8 m=38
